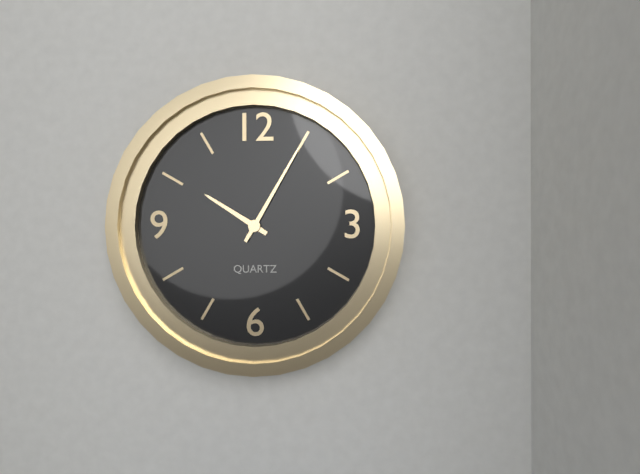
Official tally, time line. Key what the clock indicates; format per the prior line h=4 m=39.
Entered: h=10 m=5
